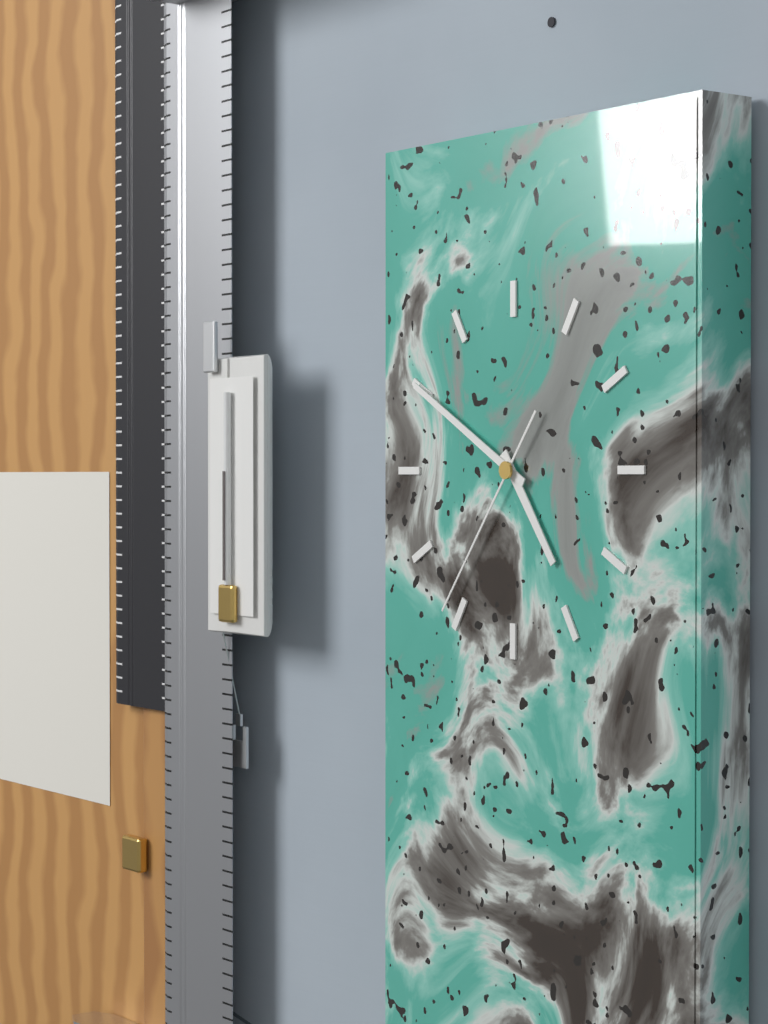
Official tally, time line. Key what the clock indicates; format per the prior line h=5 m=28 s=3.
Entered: h=4 m=50 s=36
